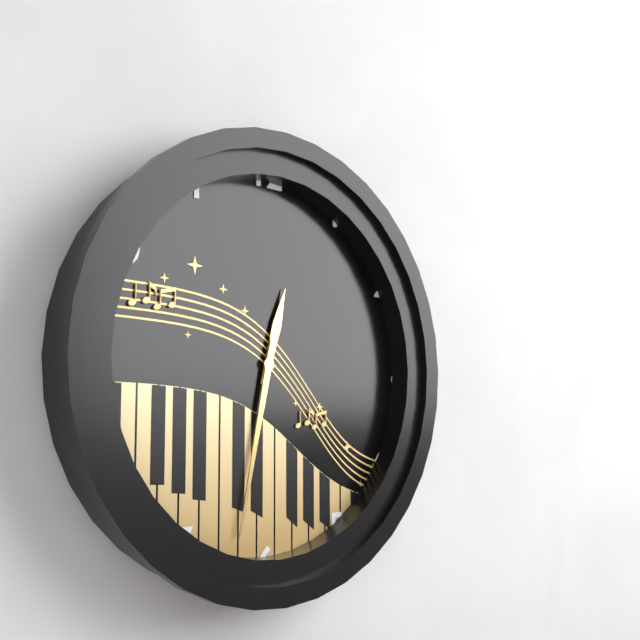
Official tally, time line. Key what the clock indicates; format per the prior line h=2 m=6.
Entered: h=12 m=32
